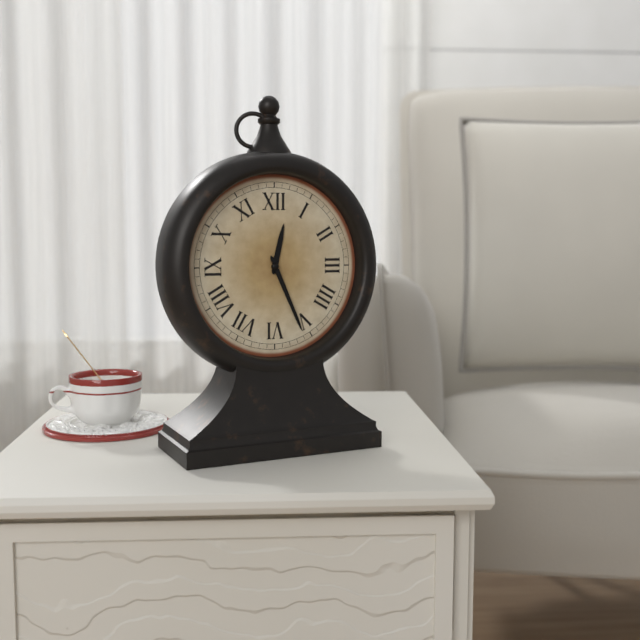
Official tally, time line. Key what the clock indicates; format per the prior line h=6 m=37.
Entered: h=12 m=26
